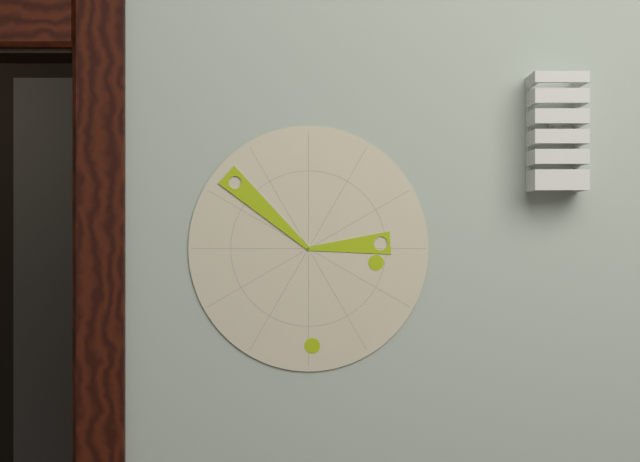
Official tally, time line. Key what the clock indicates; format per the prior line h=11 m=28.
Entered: h=2 m=52
